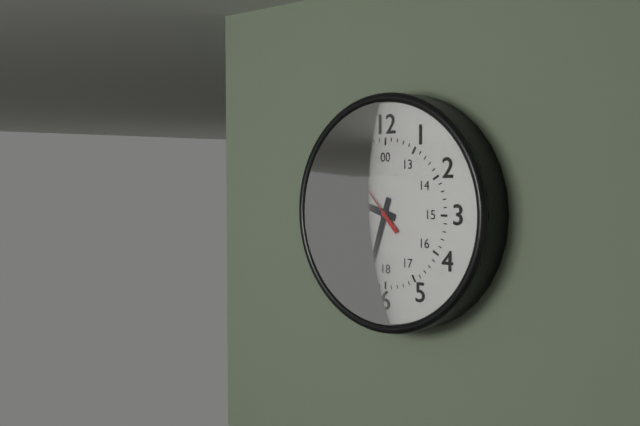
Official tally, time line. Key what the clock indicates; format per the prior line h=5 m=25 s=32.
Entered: h=9 m=33 s=53
